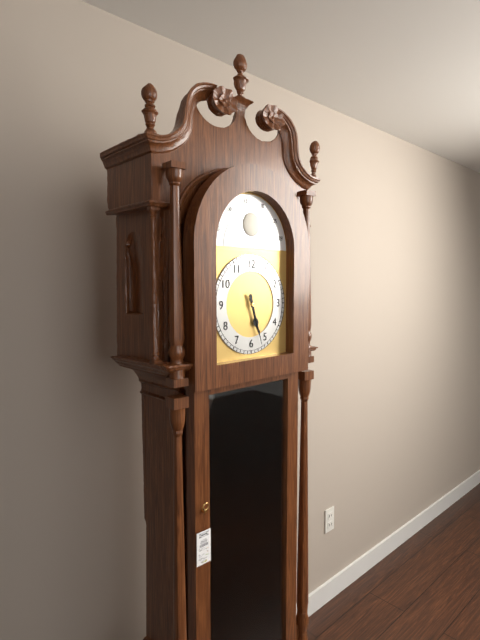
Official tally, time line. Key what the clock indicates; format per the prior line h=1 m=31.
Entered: h=5 m=27
